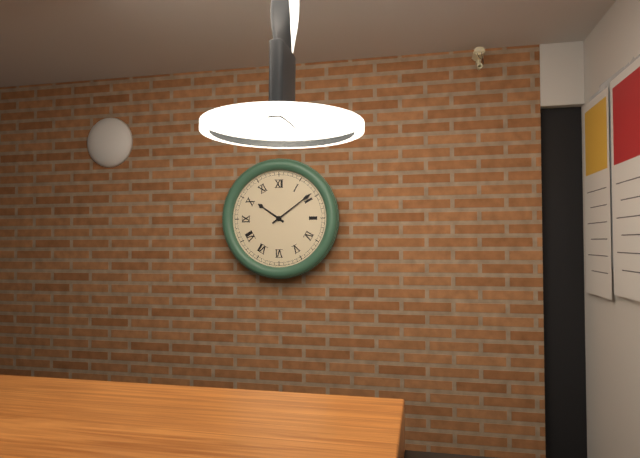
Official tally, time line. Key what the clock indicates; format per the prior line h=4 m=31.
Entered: h=10 m=9
